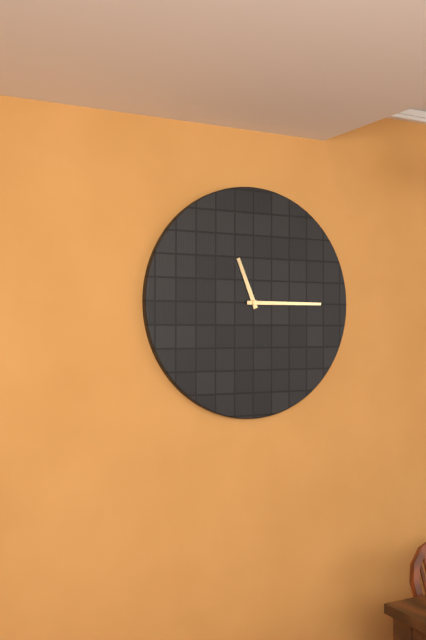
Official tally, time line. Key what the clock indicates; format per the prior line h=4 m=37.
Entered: h=11 m=15
